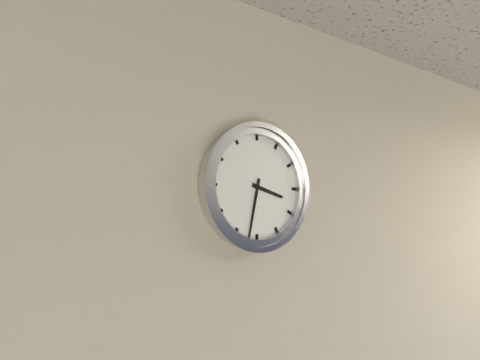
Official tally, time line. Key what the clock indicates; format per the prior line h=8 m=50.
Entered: h=3 m=32
